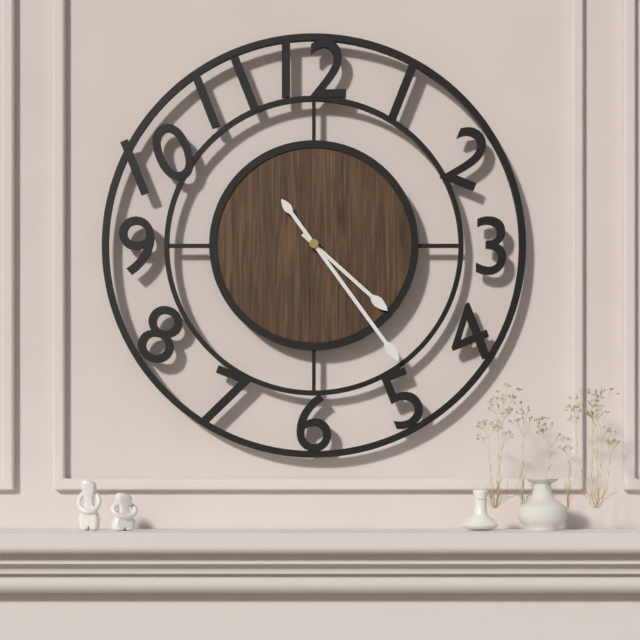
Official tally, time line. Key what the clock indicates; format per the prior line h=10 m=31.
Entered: h=4 m=24
